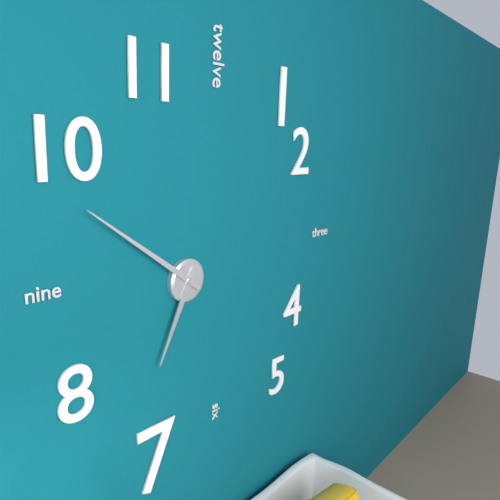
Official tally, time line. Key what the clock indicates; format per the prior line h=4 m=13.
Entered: h=6 m=51
